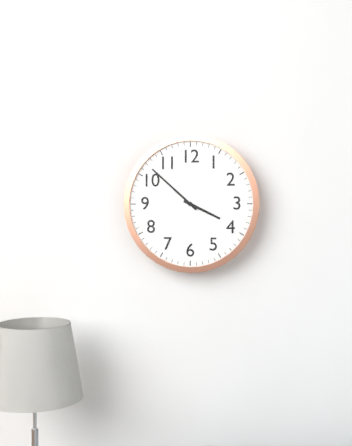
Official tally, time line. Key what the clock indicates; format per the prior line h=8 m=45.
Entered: h=3 m=52
